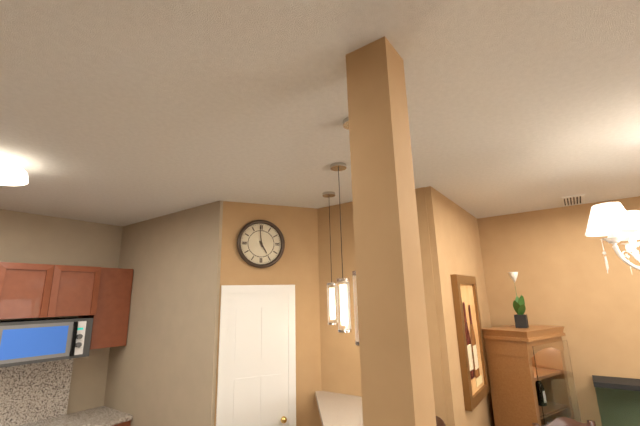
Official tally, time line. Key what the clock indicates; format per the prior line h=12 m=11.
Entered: h=4 m=59
